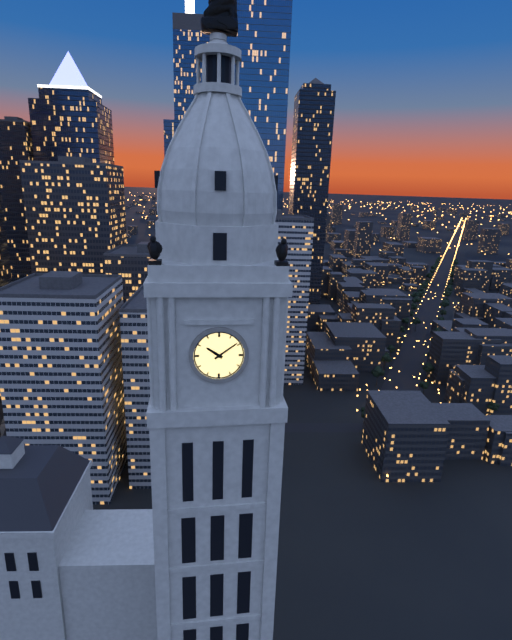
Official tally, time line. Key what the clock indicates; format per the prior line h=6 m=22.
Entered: h=10 m=9
